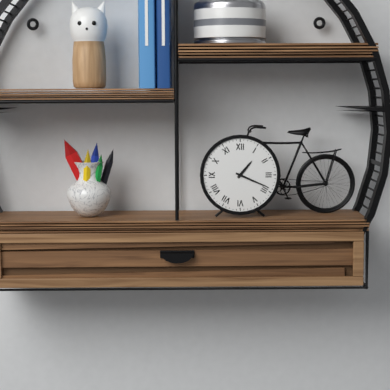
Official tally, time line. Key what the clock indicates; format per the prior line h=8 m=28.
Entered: h=1 m=19
